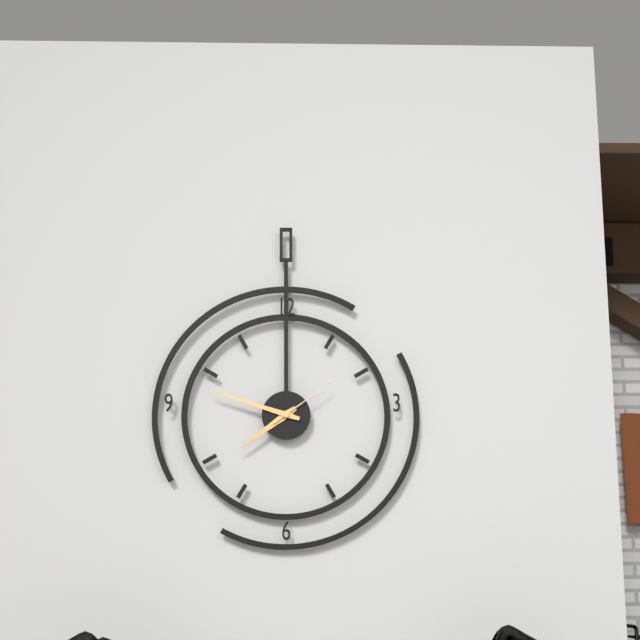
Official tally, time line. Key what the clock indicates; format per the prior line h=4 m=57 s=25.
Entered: h=7 m=48 s=9
